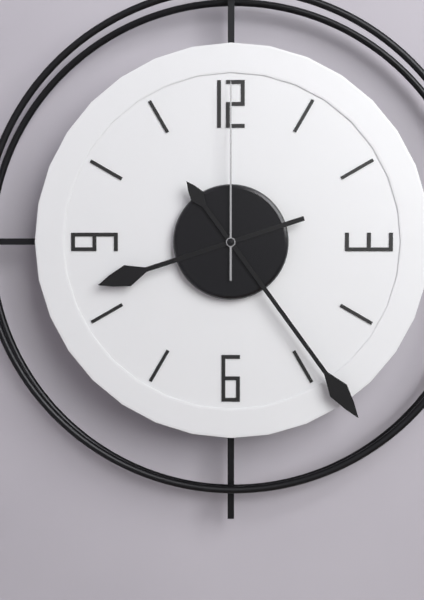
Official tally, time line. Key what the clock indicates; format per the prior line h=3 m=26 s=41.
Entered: h=8 m=24 s=0
